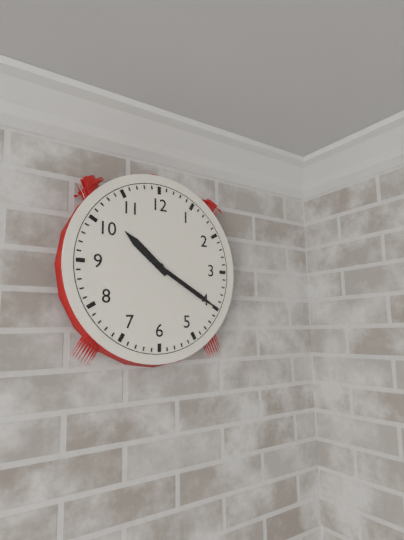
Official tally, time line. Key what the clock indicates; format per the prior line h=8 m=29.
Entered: h=10 m=20
